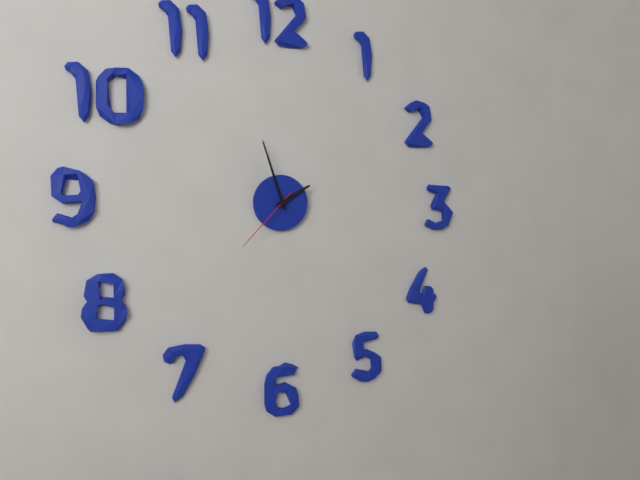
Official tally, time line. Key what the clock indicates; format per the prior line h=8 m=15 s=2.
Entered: h=1 m=57 s=37
